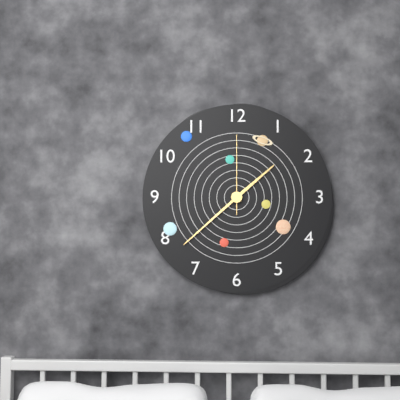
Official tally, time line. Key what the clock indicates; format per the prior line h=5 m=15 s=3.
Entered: h=1 m=38 s=0
